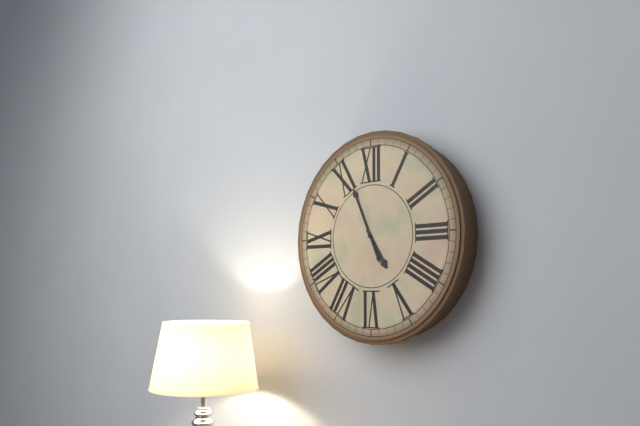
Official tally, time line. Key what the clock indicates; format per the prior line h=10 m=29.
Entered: h=4 m=56
